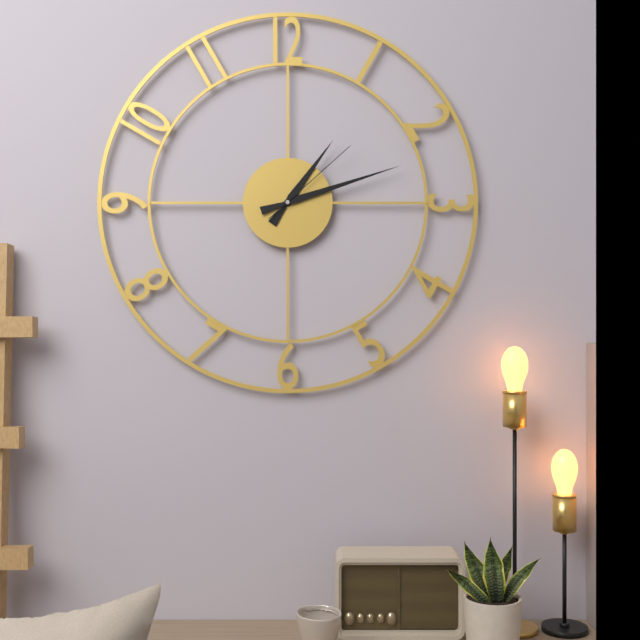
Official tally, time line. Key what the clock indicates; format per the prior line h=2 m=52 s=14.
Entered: h=1 m=12 s=8
